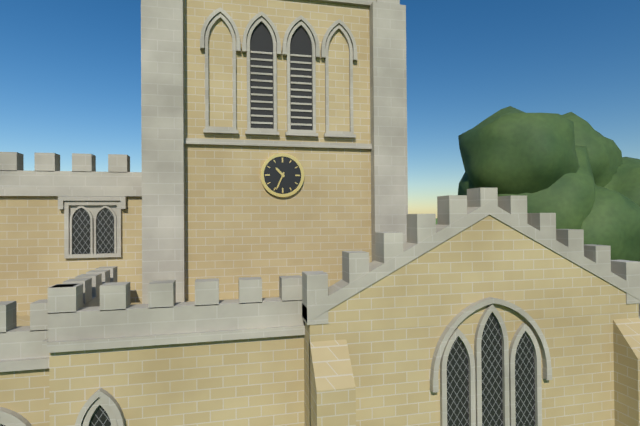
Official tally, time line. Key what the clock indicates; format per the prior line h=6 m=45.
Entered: h=10 m=34
